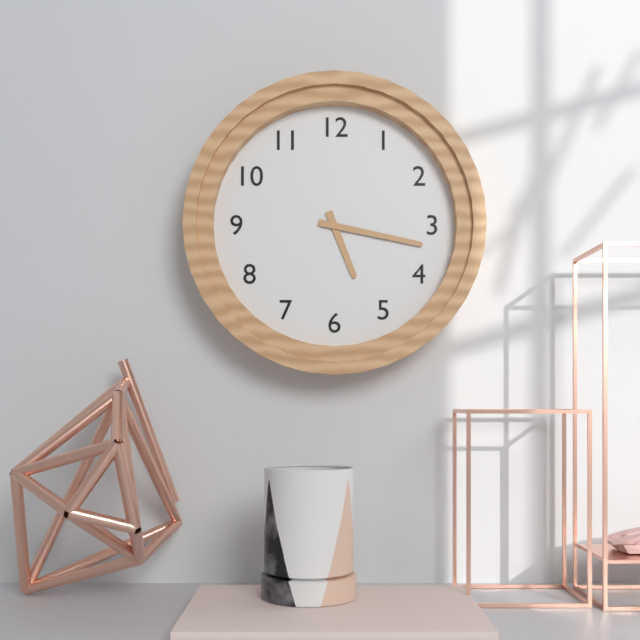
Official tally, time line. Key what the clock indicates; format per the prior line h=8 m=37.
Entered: h=5 m=17
